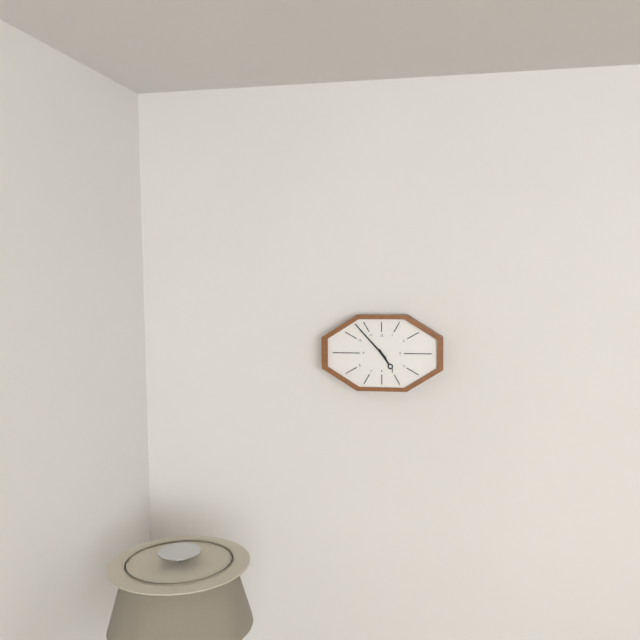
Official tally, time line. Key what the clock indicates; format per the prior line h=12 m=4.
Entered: h=4 m=53
